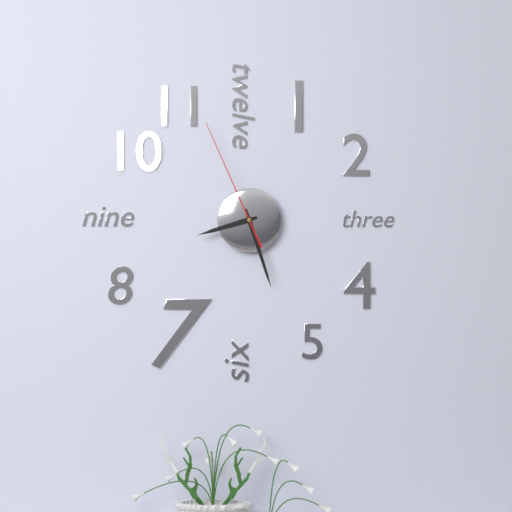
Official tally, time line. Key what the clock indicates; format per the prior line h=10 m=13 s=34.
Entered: h=8 m=27 s=56
